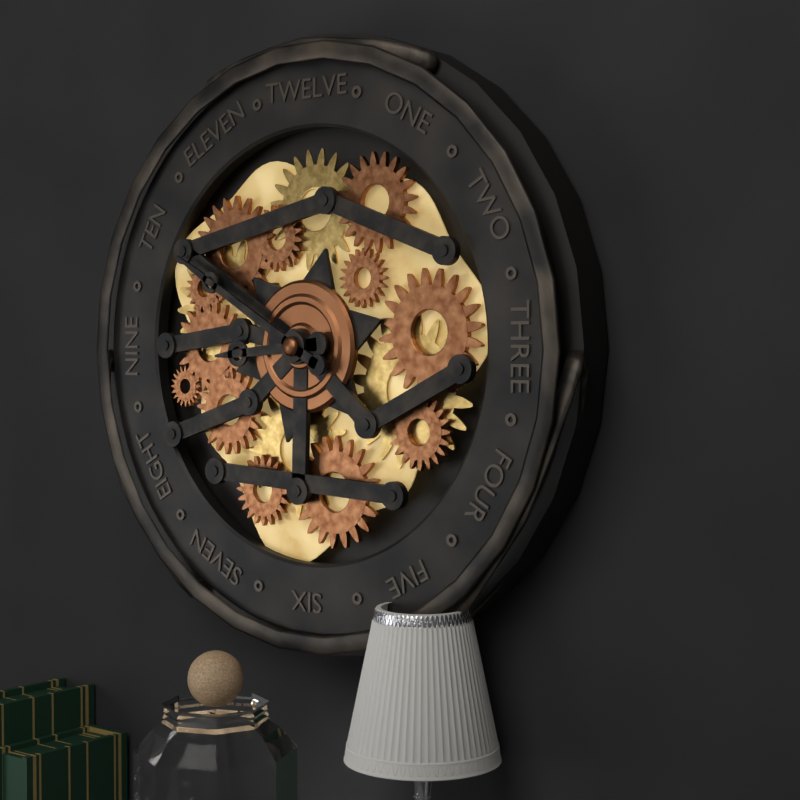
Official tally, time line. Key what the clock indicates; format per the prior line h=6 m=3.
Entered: h=8 m=50
